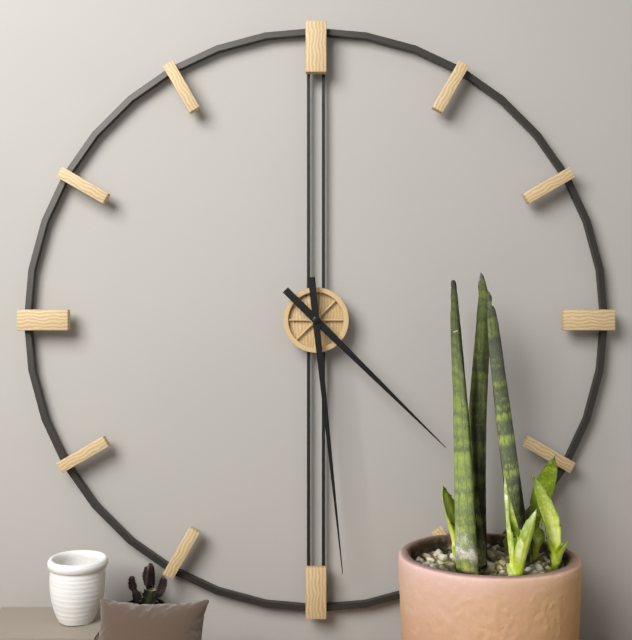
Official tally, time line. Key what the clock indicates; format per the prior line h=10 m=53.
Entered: h=4 m=29
